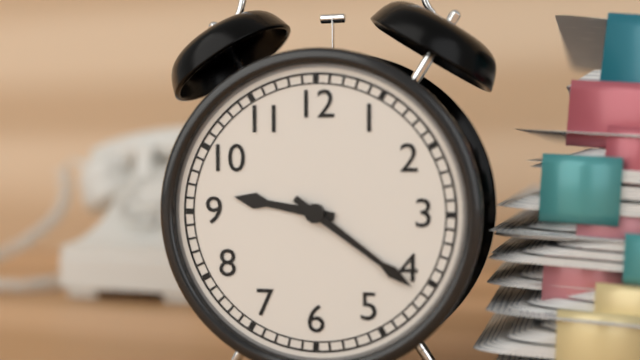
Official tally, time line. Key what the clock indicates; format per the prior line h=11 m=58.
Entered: h=9 m=21
